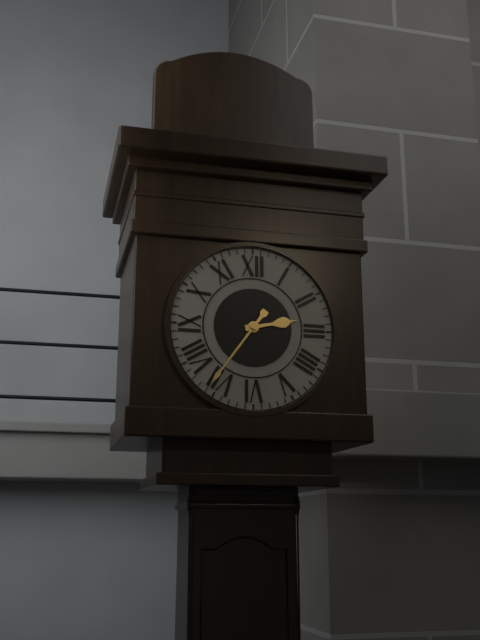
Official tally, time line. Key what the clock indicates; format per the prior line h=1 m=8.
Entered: h=2 m=36
